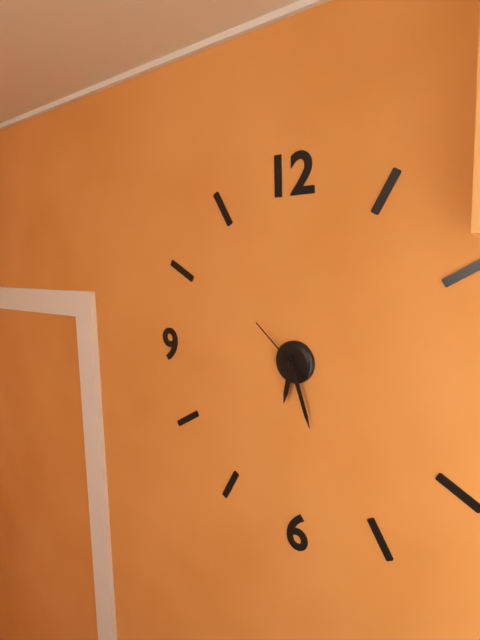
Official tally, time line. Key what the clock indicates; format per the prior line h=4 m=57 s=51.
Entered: h=6 m=27 s=52
